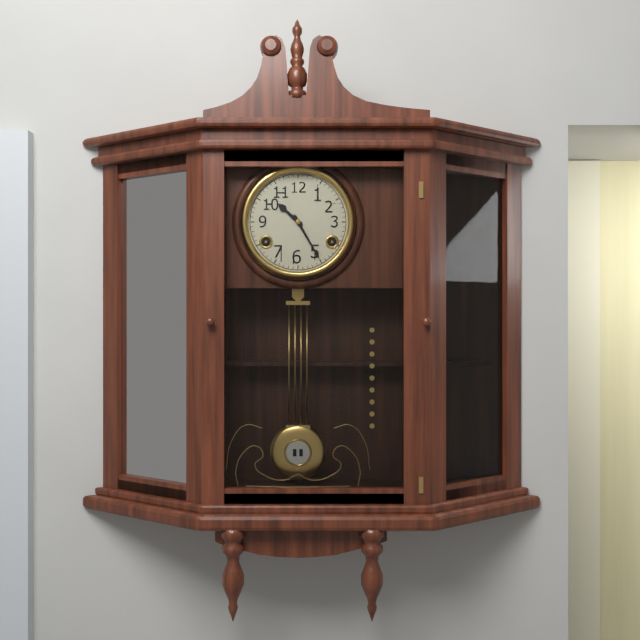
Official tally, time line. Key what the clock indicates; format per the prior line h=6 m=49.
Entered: h=10 m=25
